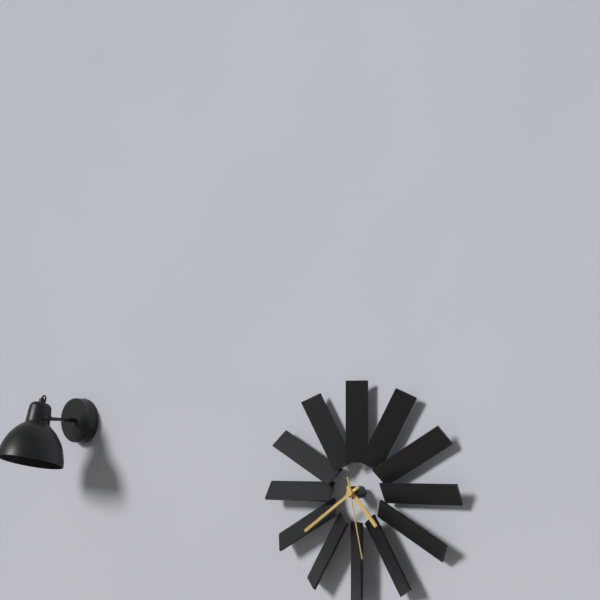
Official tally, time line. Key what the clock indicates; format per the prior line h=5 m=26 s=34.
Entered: h=4 m=39 s=28
